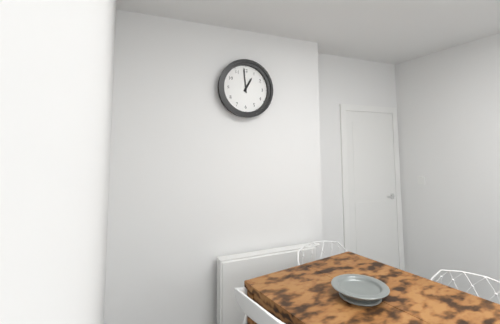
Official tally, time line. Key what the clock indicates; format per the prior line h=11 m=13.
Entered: h=12 m=59
